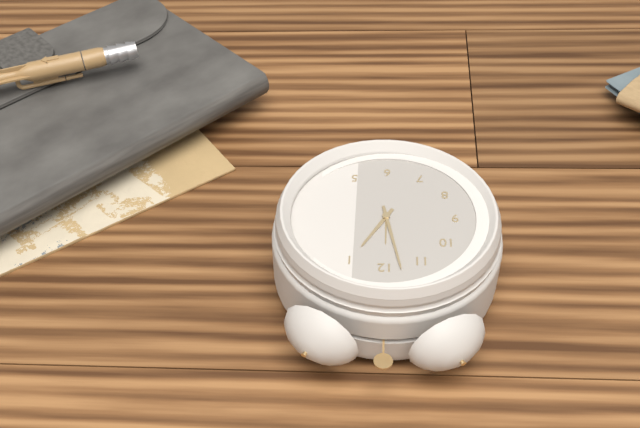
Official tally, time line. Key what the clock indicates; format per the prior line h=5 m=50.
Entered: h=12 m=58
